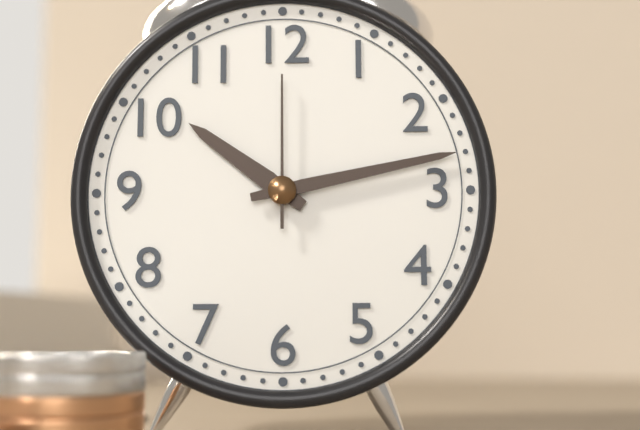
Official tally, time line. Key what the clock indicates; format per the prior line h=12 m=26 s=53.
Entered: h=10 m=13 s=0
